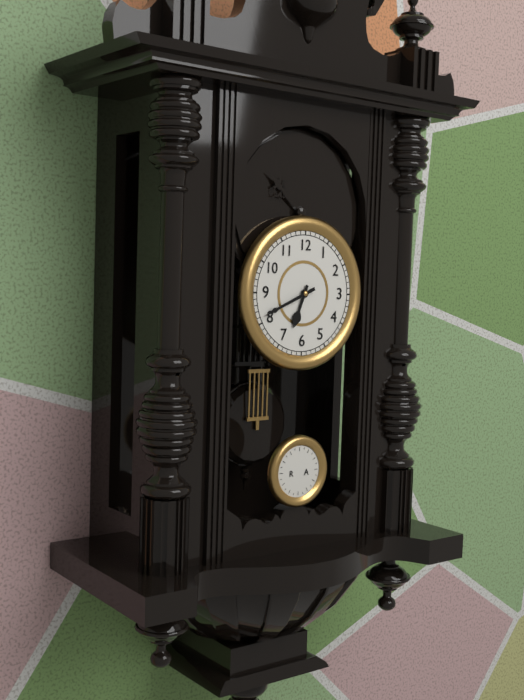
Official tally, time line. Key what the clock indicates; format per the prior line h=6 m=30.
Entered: h=6 m=41
